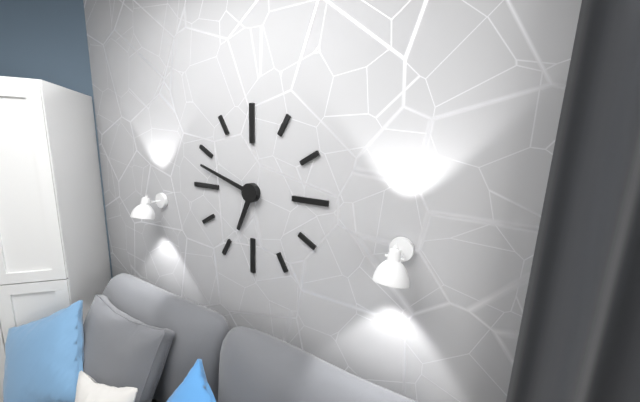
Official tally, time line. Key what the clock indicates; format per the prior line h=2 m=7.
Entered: h=6 m=48
